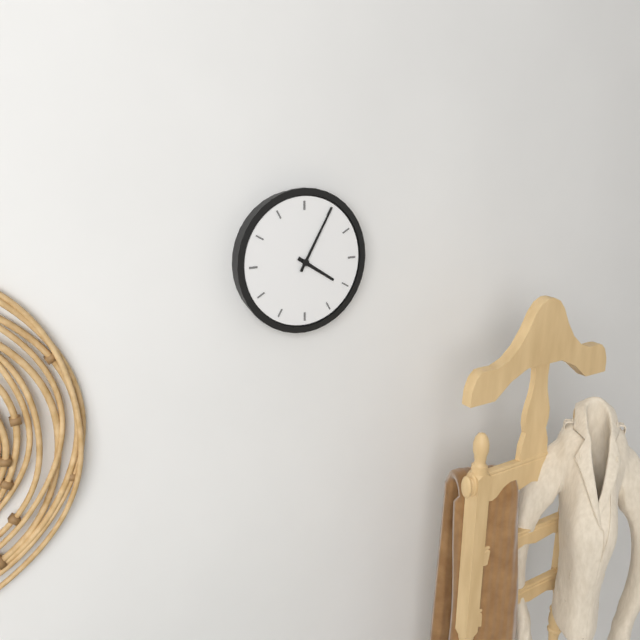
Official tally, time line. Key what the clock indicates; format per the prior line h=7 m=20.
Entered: h=4 m=5
